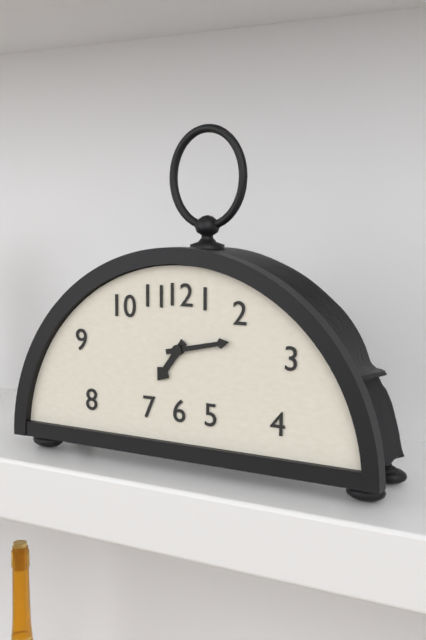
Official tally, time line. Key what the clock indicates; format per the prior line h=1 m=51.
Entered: h=7 m=13
